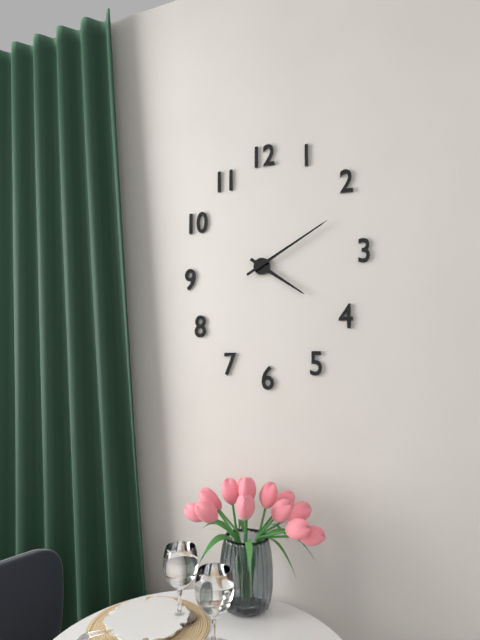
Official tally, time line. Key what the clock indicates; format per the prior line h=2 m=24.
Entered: h=4 m=10
